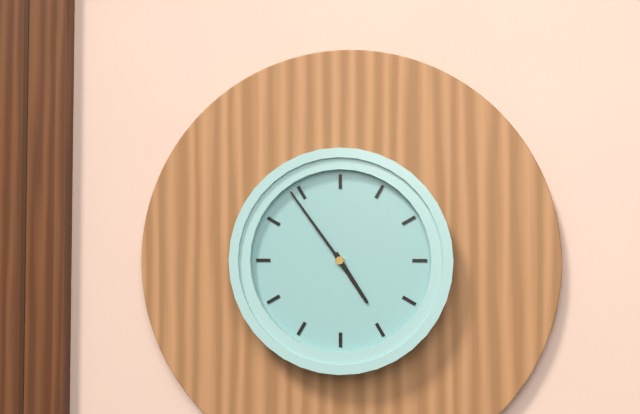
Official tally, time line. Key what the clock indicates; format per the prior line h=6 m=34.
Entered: h=4 m=54
